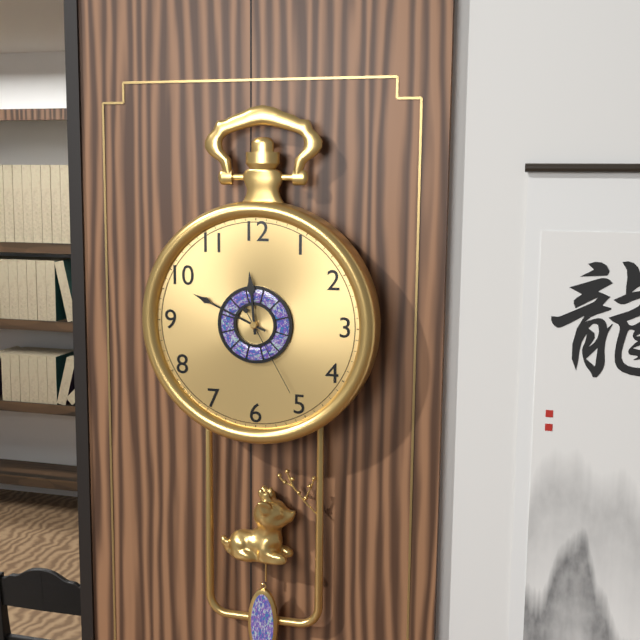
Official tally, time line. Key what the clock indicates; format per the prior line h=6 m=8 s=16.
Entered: h=11 m=49 s=25
